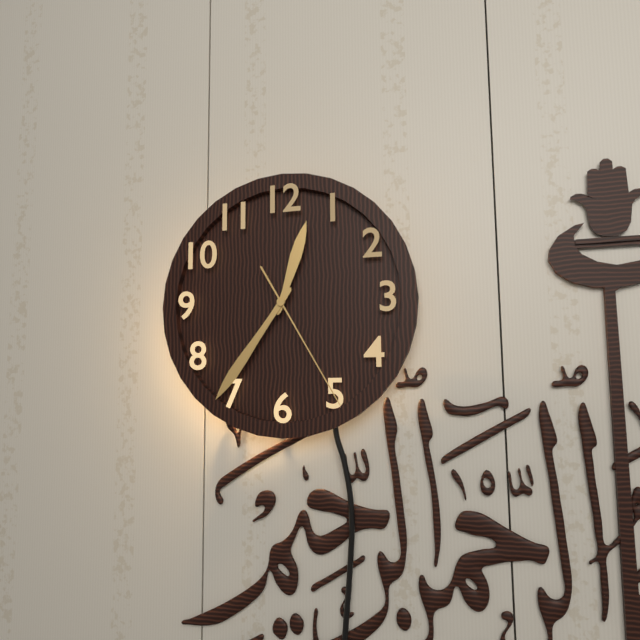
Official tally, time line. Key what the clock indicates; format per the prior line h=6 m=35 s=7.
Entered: h=12 m=36 s=25
